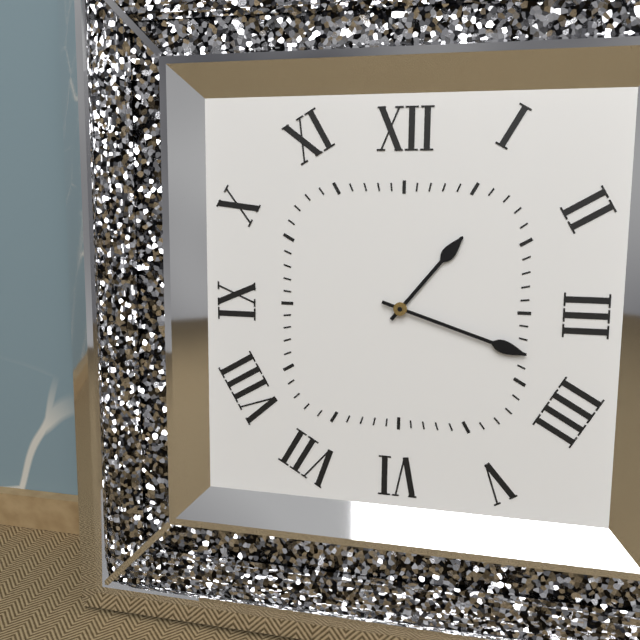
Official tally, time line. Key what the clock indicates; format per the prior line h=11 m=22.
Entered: h=1 m=18
